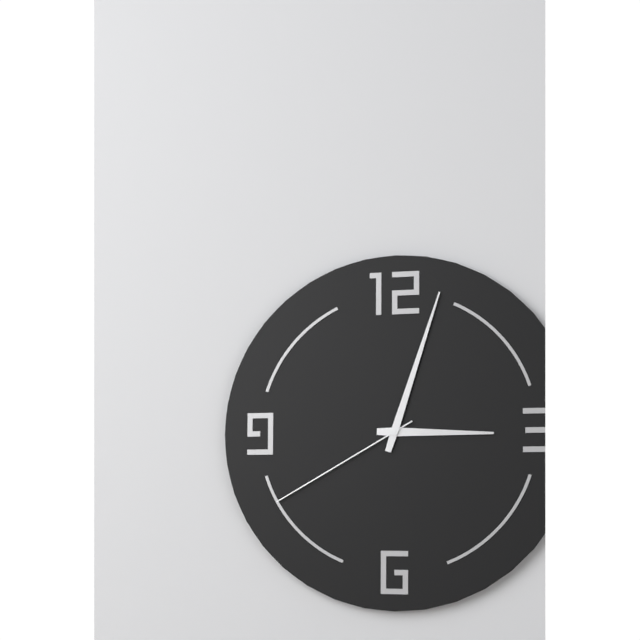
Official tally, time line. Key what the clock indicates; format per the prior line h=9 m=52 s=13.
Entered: h=3 m=3 s=40
